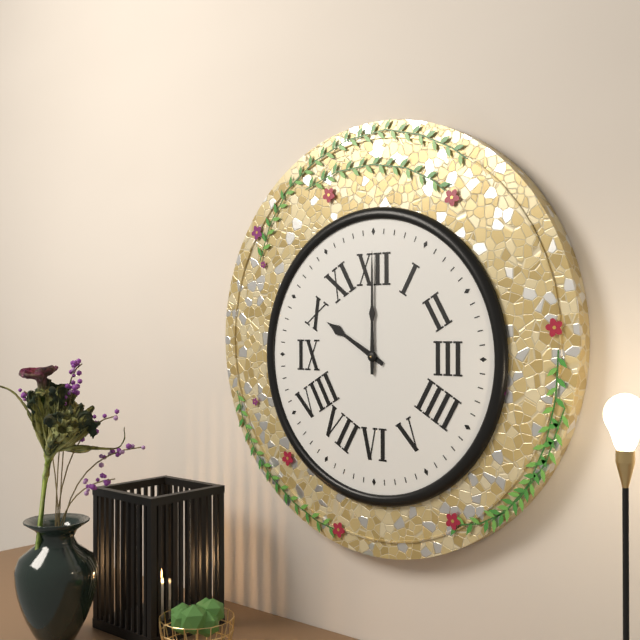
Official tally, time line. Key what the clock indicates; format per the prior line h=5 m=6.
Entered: h=10 m=0
